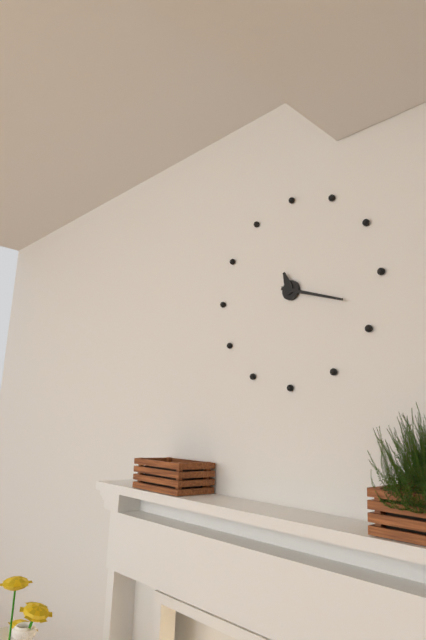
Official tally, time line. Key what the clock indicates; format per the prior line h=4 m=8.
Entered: h=11 m=18
